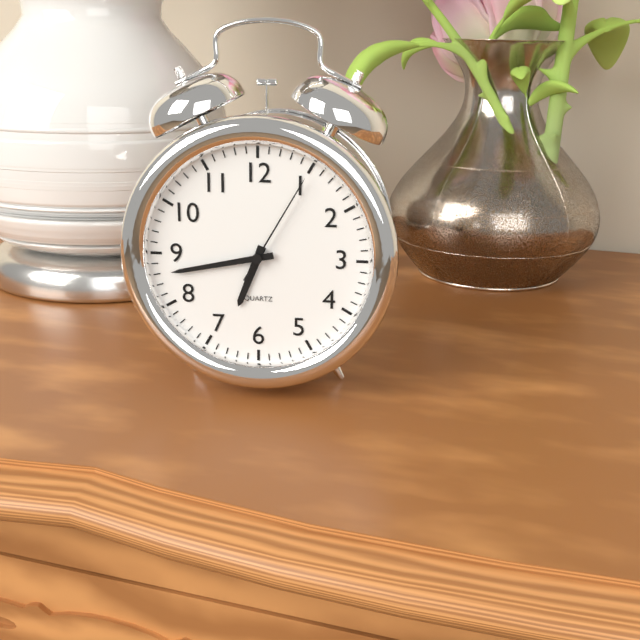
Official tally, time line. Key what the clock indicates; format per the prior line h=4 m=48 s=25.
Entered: h=6 m=43 s=5
